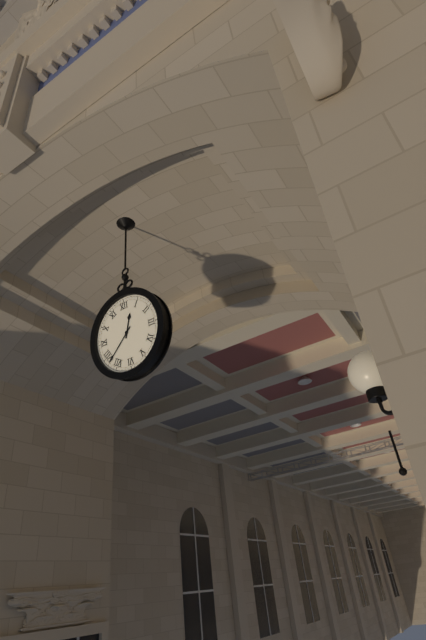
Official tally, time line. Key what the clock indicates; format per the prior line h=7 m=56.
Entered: h=12 m=38
